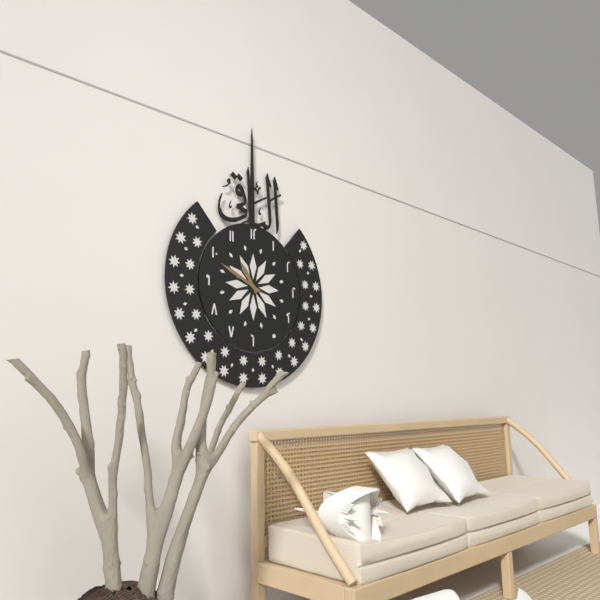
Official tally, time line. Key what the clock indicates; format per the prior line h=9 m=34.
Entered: h=10 m=49
